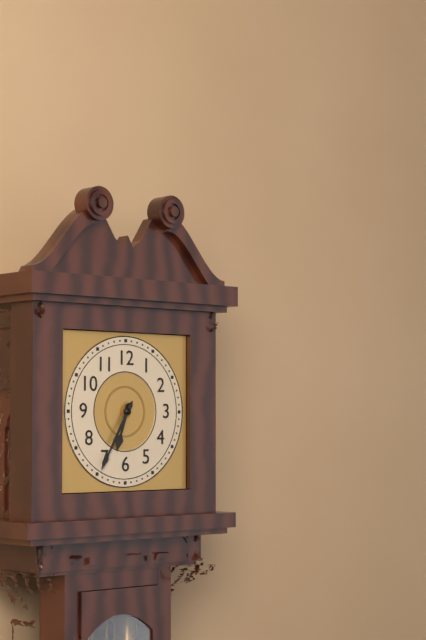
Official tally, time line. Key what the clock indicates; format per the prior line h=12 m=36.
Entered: h=6 m=35
